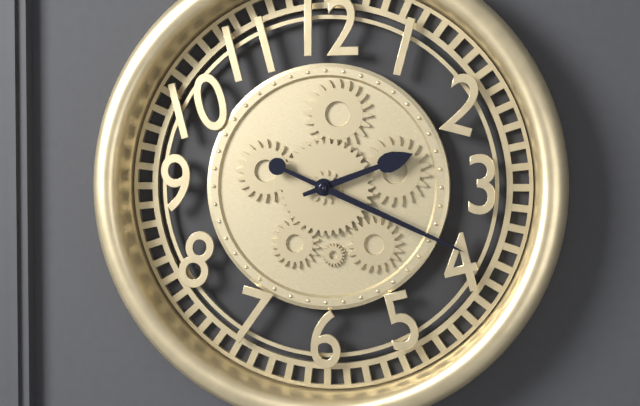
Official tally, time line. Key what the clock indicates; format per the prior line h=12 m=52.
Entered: h=2 m=19
